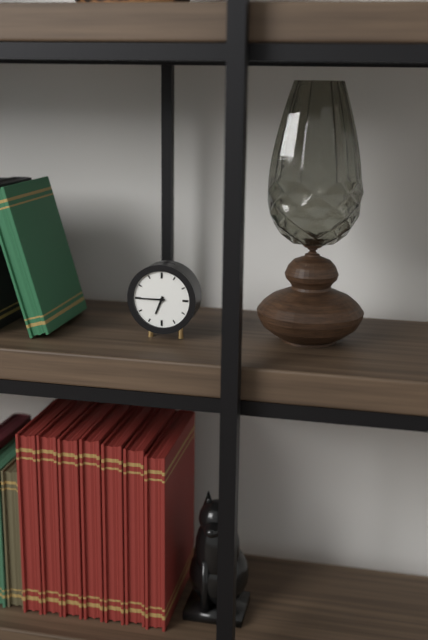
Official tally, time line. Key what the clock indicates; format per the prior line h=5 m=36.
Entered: h=6 m=45
